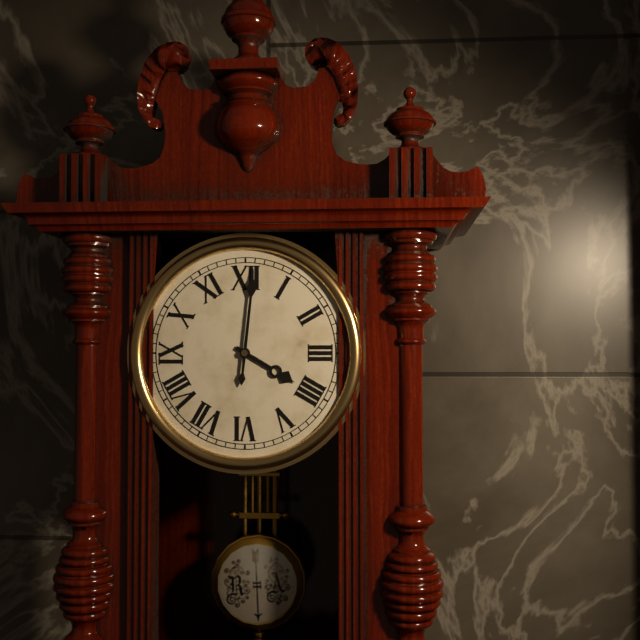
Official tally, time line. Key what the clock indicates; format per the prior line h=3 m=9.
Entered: h=4 m=1
